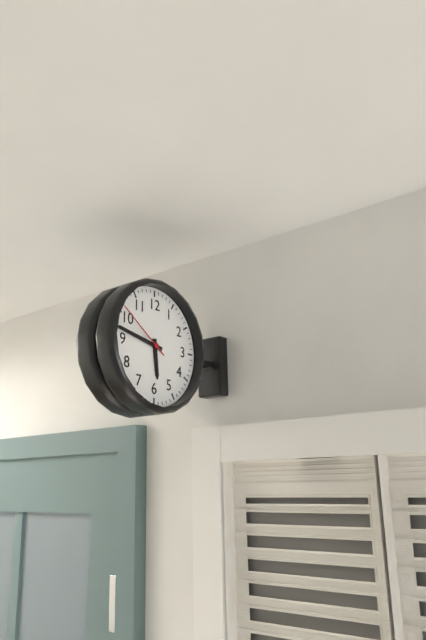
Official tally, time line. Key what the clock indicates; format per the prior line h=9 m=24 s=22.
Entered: h=5 m=47 s=51
